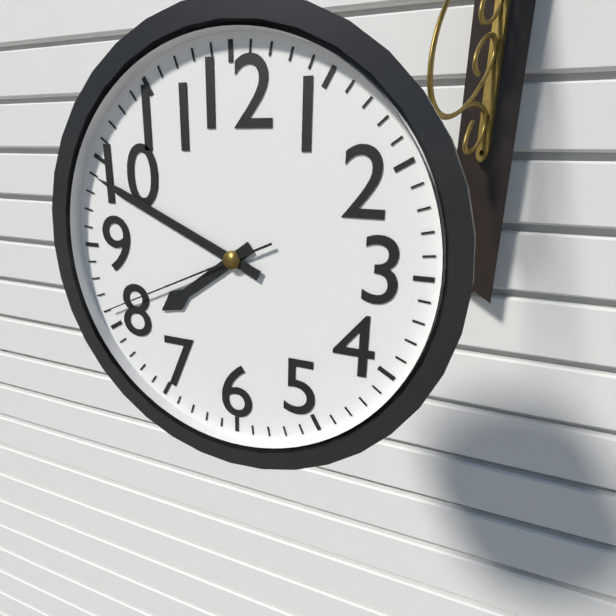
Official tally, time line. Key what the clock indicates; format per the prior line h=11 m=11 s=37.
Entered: h=7 m=49 s=41
